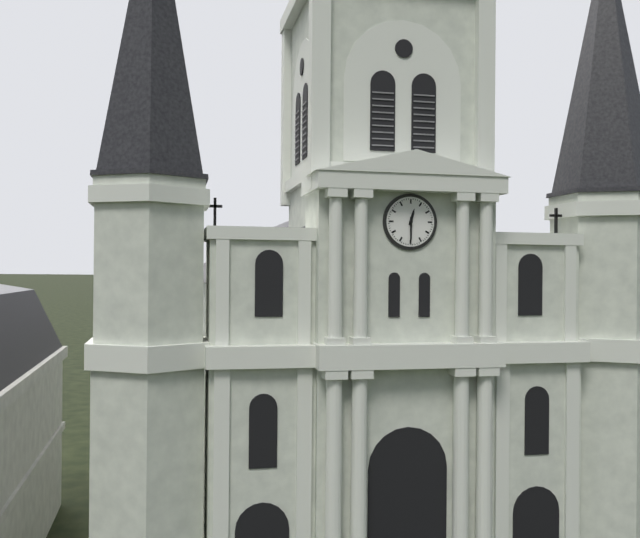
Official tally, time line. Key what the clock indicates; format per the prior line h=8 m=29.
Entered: h=12 m=30
